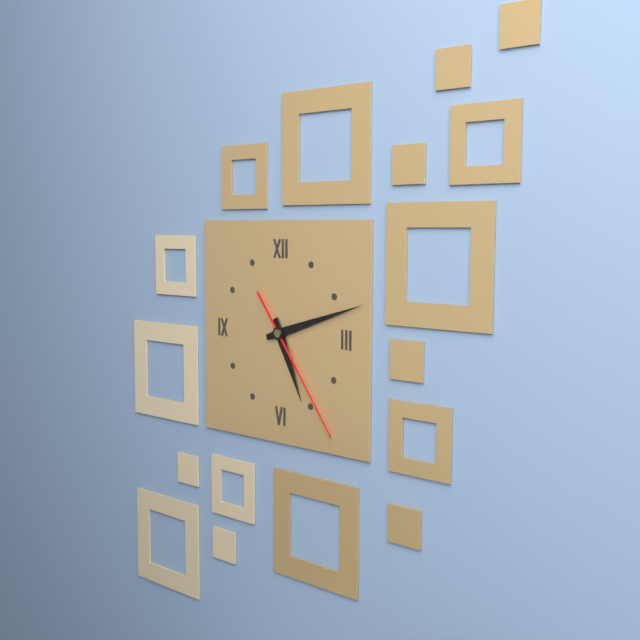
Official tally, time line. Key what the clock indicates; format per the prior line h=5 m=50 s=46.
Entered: h=5 m=12 s=24
